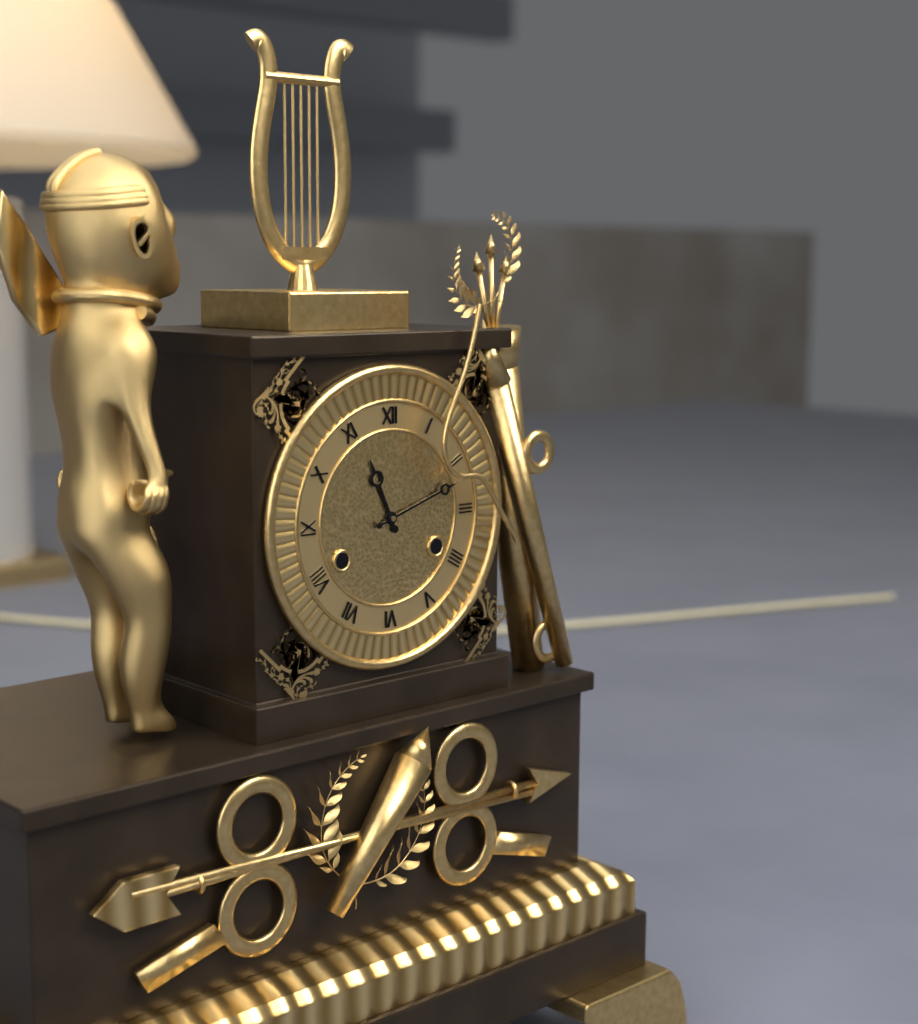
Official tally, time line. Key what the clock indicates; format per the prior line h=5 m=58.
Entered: h=11 m=12
